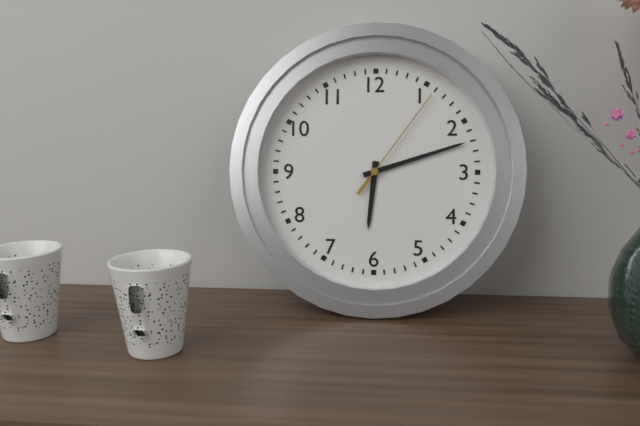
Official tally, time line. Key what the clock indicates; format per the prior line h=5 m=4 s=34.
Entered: h=6 m=12 s=6
